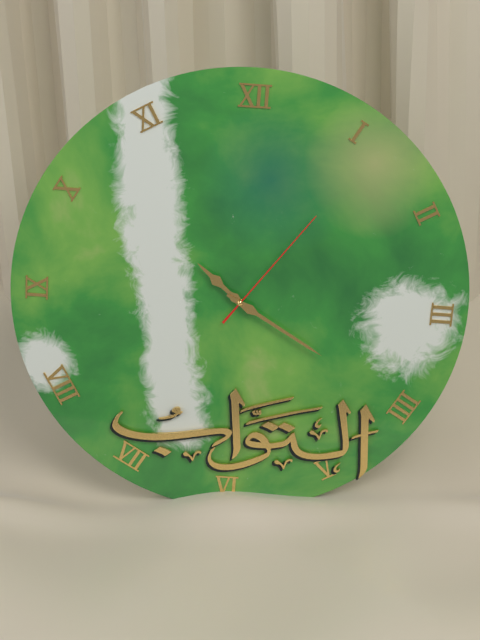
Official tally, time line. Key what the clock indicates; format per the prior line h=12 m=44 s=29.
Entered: h=10 m=20 s=6
